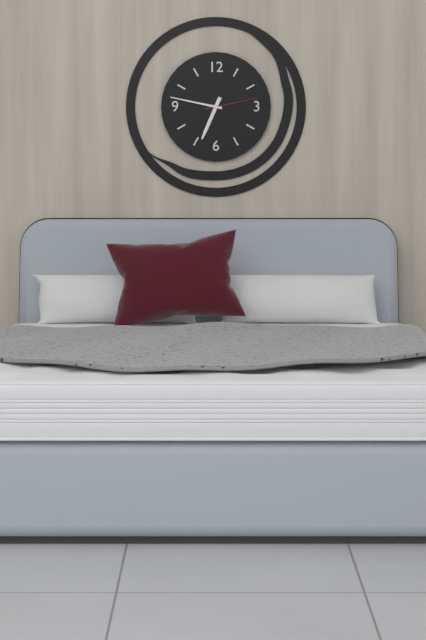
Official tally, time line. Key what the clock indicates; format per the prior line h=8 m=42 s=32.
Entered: h=6 m=47 s=13
